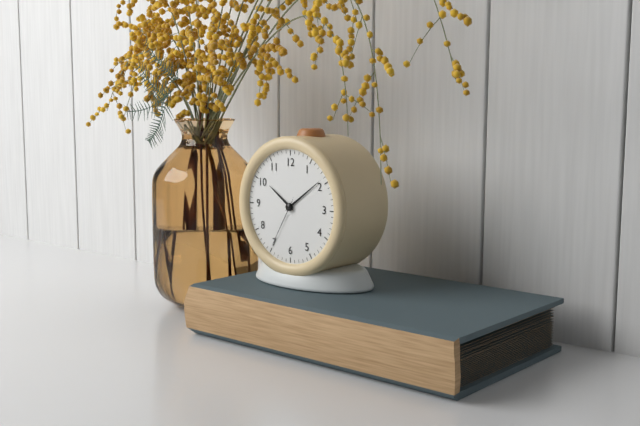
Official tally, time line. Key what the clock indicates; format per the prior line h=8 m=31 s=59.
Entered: h=10 m=9 s=35
